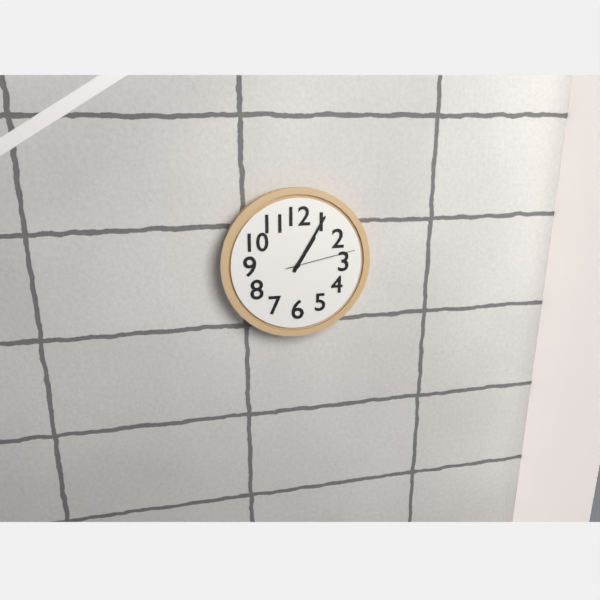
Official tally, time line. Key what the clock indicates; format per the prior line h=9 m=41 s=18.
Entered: h=1 m=5 s=13
